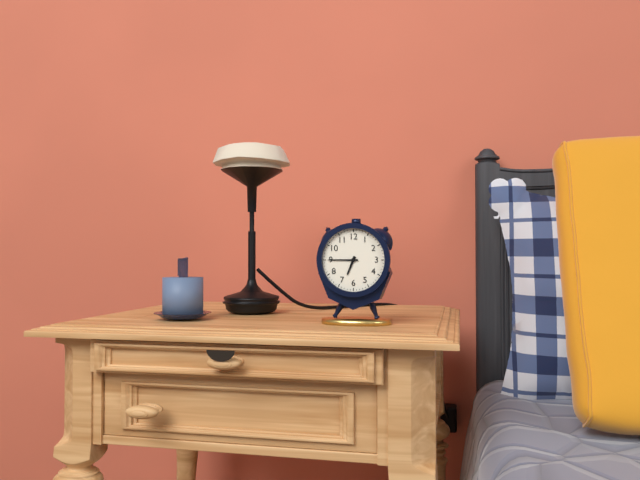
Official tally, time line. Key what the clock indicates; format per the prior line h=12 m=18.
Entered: h=6 m=45
